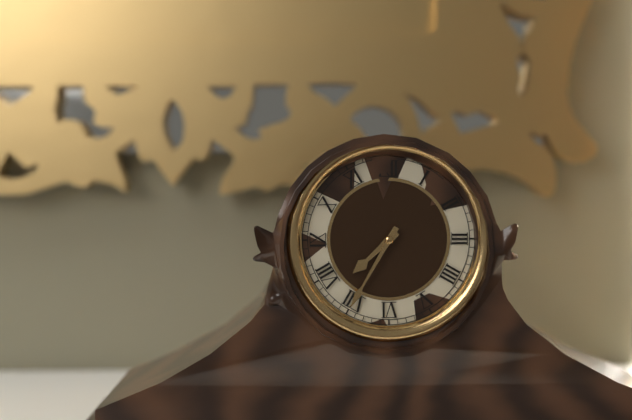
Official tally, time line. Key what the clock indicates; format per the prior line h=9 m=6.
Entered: h=7 m=35
